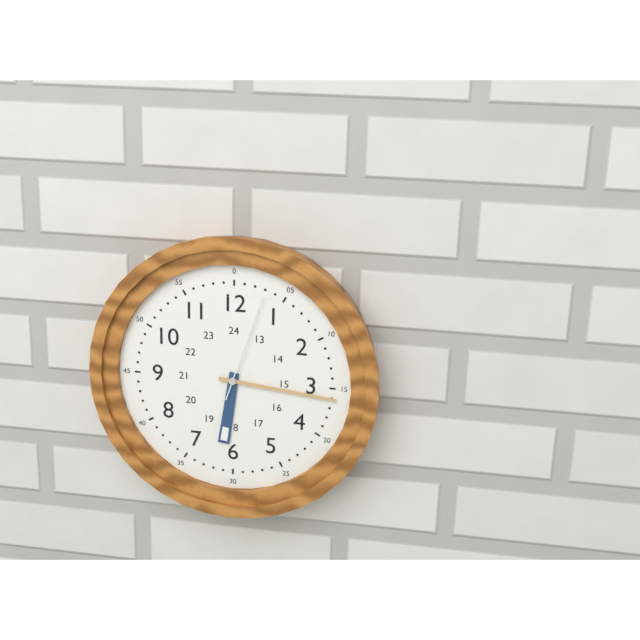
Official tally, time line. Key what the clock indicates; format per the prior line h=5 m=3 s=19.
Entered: h=6 m=16 s=3
